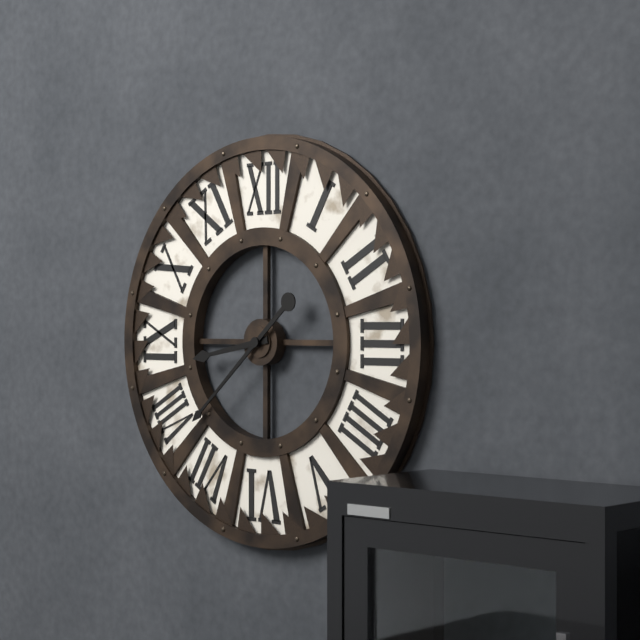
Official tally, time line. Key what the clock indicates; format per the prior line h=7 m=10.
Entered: h=8 m=38
